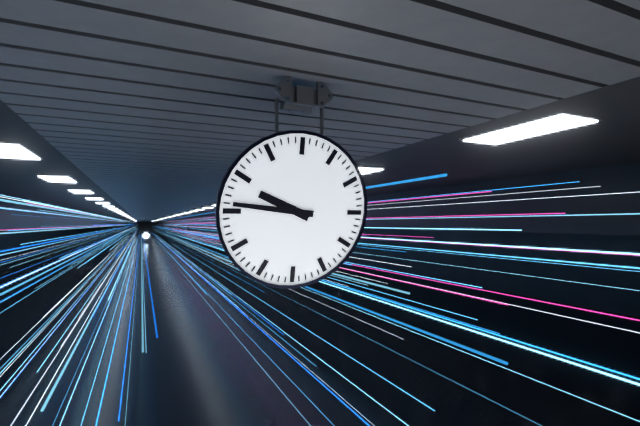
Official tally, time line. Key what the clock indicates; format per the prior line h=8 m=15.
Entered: h=9 m=46
